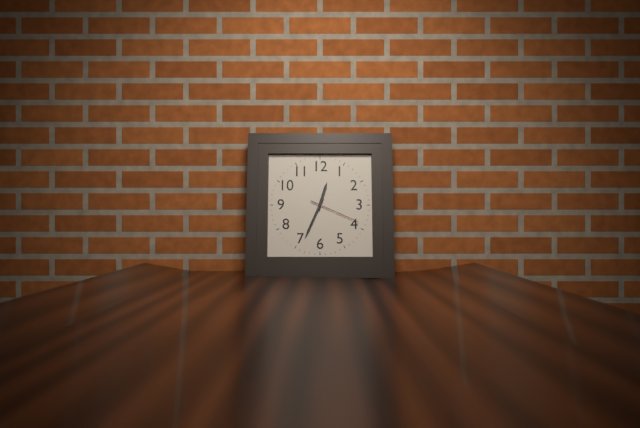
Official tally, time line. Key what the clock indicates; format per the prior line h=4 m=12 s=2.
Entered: h=12 m=34 s=19
